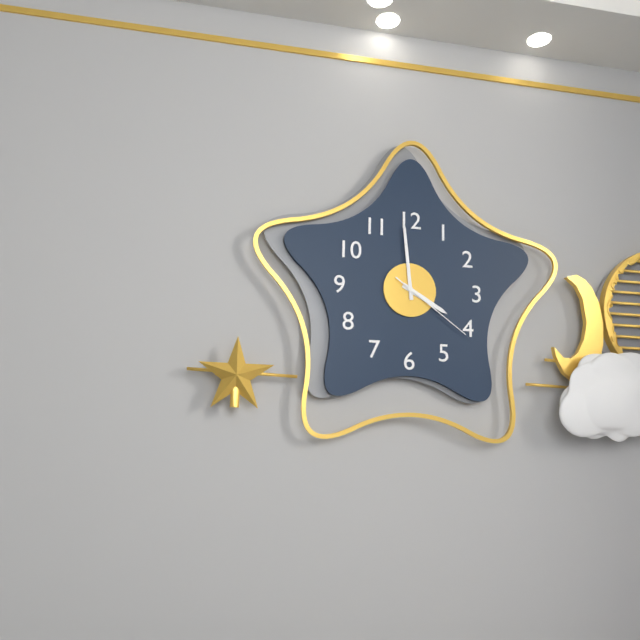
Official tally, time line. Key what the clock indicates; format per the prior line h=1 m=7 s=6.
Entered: h=3 m=59 s=21
